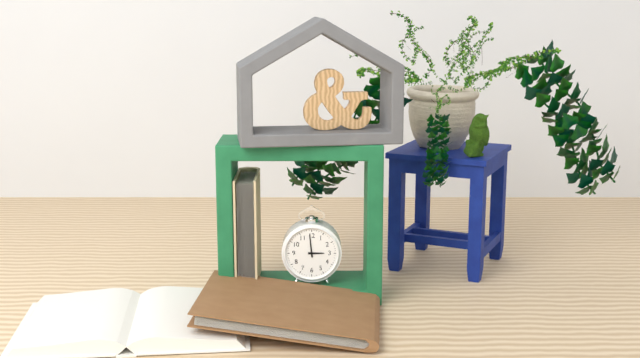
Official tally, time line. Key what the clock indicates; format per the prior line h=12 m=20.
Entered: h=2 m=59
